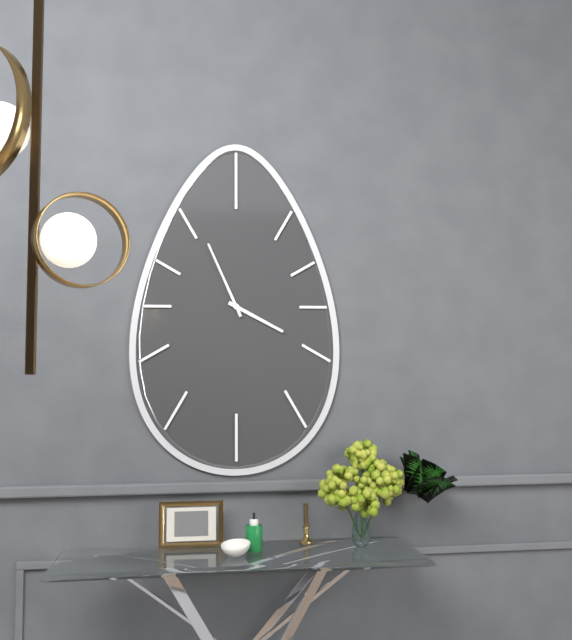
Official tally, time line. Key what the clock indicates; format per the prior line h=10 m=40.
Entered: h=3 m=56
